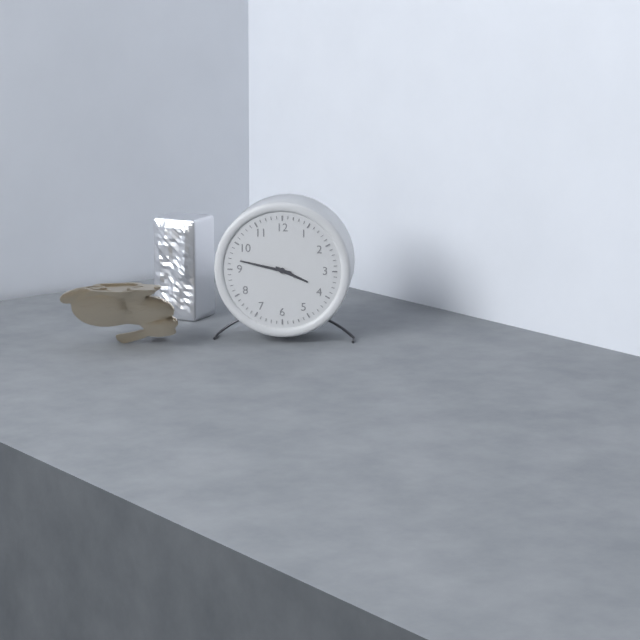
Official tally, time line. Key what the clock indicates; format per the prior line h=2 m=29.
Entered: h=3 m=47
